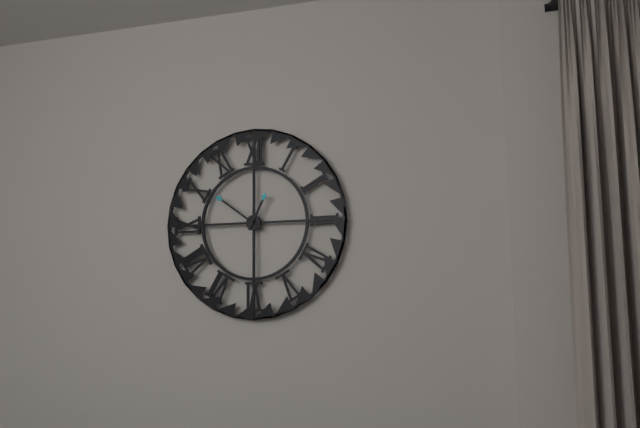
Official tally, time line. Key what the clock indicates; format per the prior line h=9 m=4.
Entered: h=12 m=51
